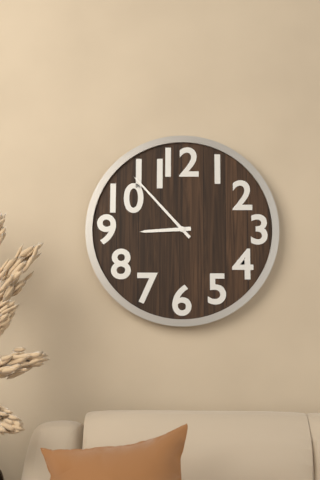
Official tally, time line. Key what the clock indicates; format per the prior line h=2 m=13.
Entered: h=8 m=53
